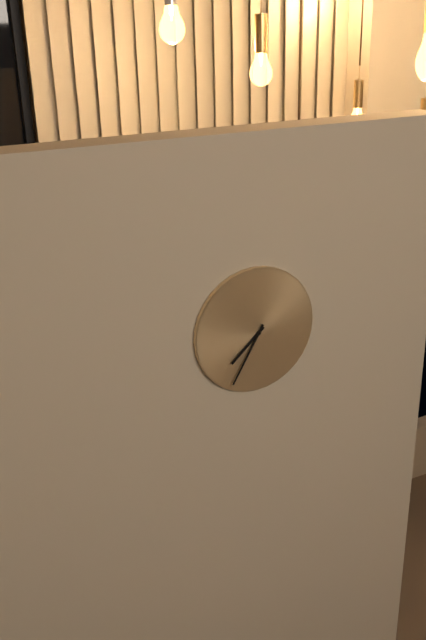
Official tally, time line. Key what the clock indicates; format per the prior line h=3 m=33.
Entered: h=7 m=35
